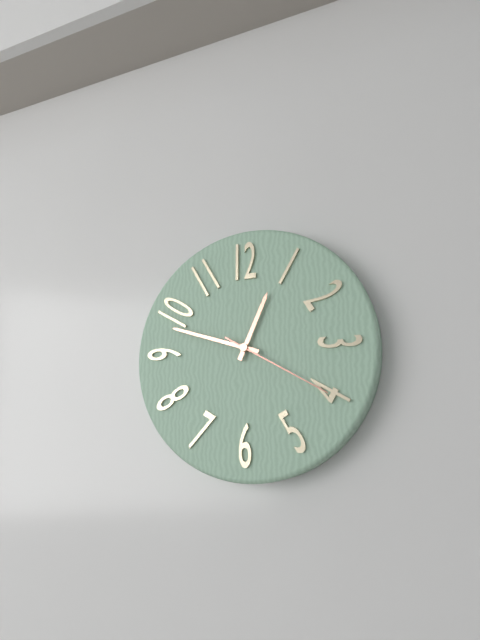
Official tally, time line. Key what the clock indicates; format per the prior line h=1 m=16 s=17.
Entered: h=12 m=48 s=20
